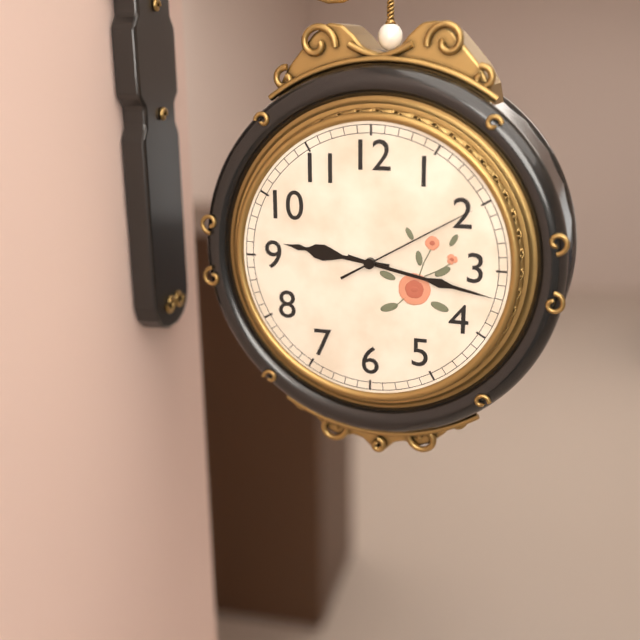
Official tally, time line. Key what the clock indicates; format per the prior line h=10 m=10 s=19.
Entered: h=9 m=17 s=10
